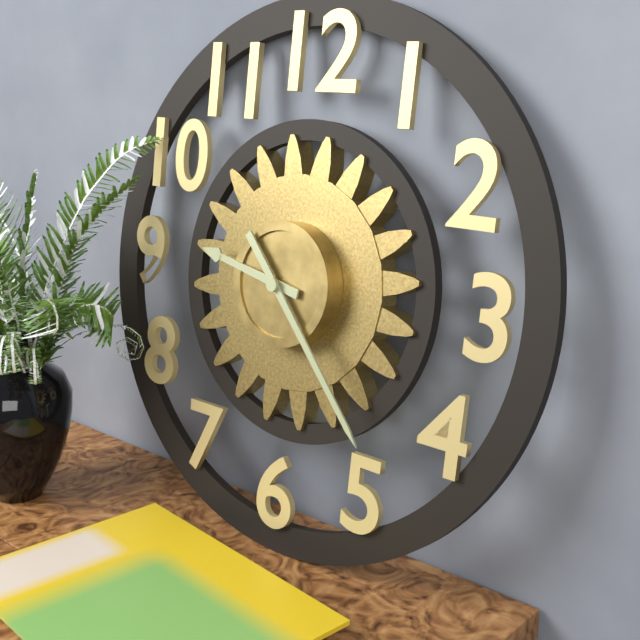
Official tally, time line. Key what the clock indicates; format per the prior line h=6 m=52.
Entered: h=9 m=23
